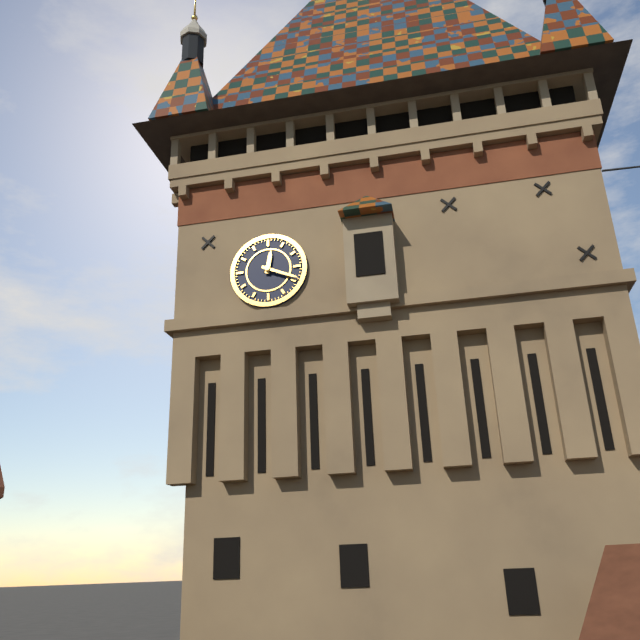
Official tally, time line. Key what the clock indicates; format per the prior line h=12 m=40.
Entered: h=12 m=19
